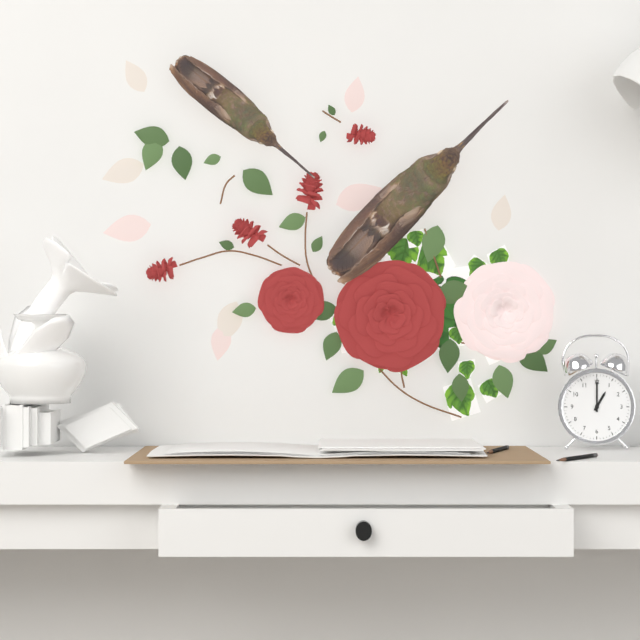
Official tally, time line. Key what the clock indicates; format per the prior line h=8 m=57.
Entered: h=1 m=0
